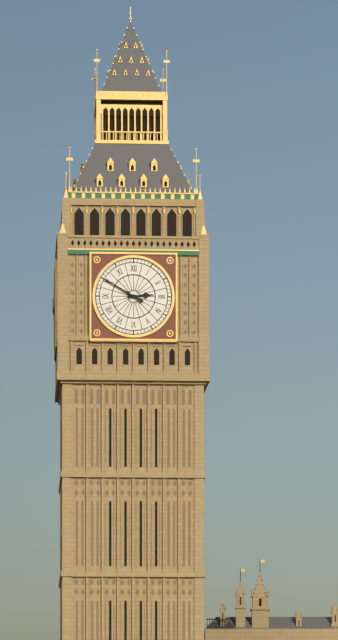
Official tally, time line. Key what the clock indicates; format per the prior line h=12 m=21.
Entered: h=2 m=50
